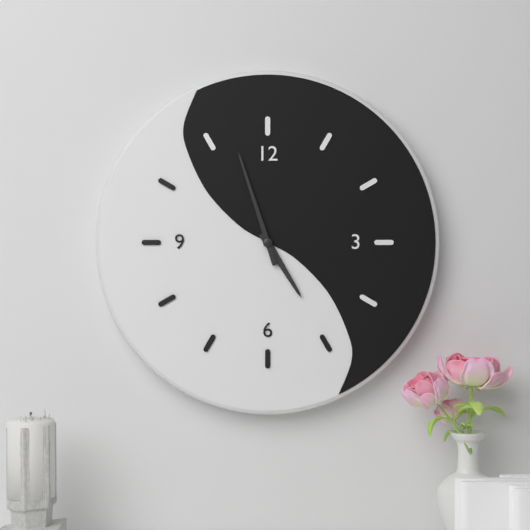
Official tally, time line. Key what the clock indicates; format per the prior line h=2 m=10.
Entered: h=4 m=57
